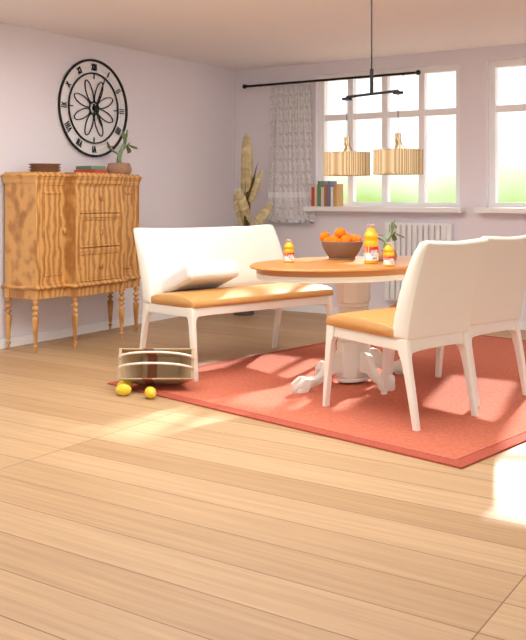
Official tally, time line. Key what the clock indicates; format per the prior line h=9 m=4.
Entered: h=5 m=4
